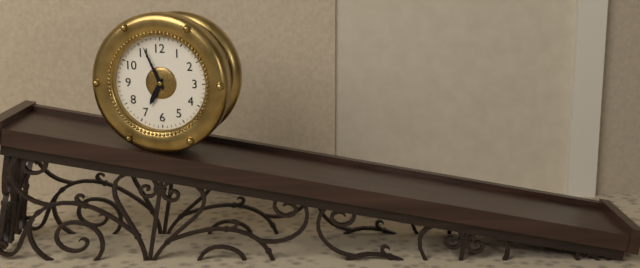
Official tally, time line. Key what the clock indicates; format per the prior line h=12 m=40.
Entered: h=6 m=56
